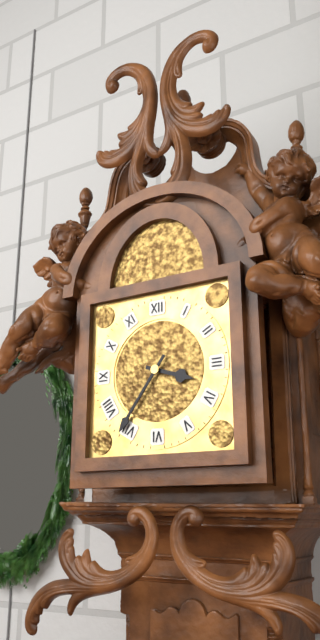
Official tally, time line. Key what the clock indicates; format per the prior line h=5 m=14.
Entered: h=3 m=36
